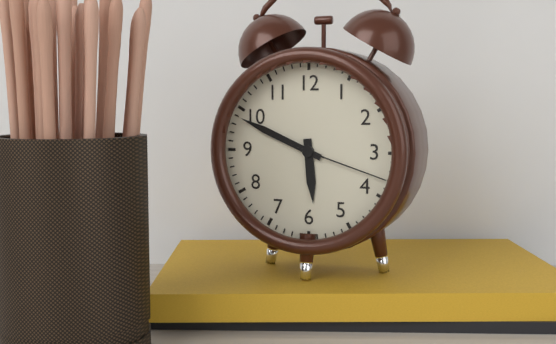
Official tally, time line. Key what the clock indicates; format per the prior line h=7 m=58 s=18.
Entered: h=5 m=49 s=18
